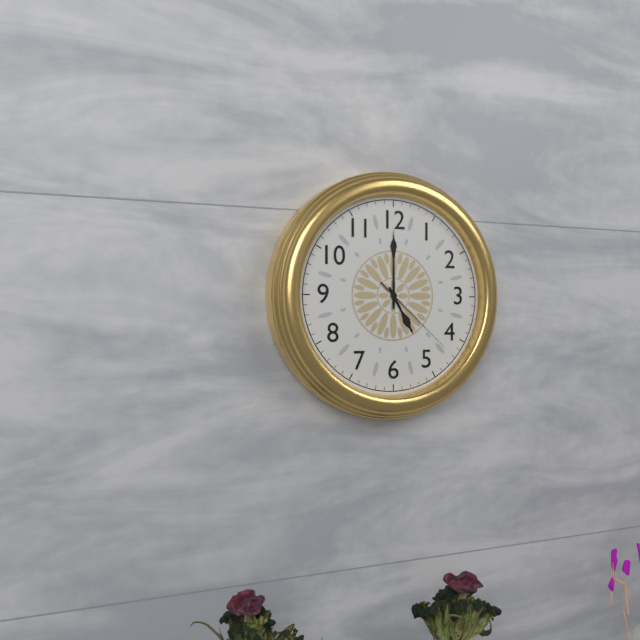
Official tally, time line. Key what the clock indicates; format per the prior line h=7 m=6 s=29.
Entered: h=5 m=0 s=22
